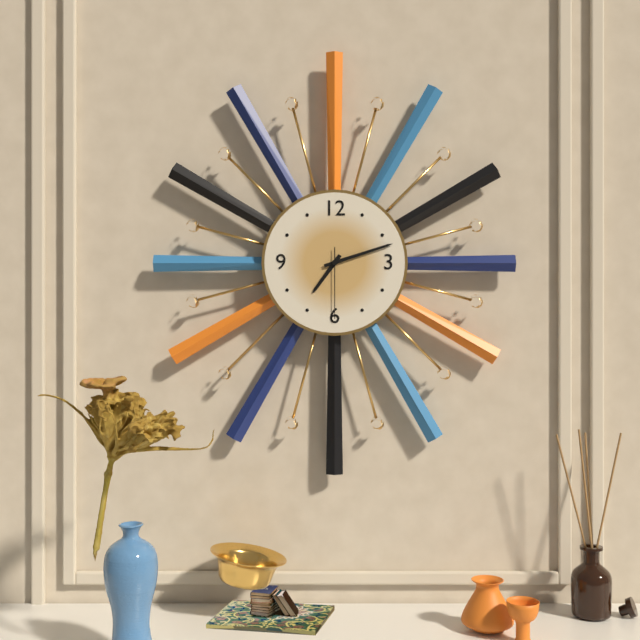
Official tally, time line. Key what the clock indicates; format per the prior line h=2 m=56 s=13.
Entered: h=7 m=12 s=30
